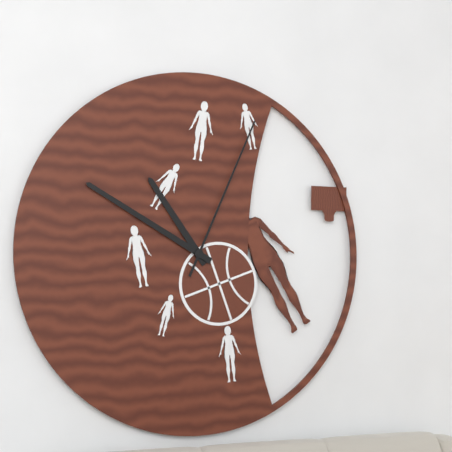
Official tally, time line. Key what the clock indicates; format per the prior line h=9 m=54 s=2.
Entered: h=10 m=50 s=4
